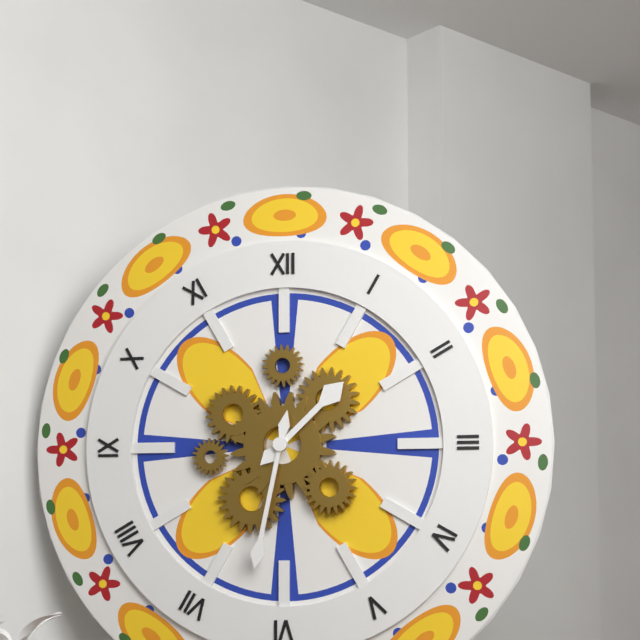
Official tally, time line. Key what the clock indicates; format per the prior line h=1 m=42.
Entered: h=1 m=32
